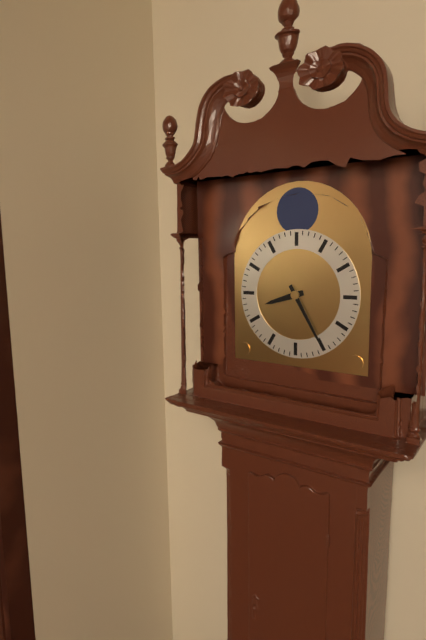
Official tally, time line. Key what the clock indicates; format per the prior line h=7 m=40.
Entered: h=8 m=25
